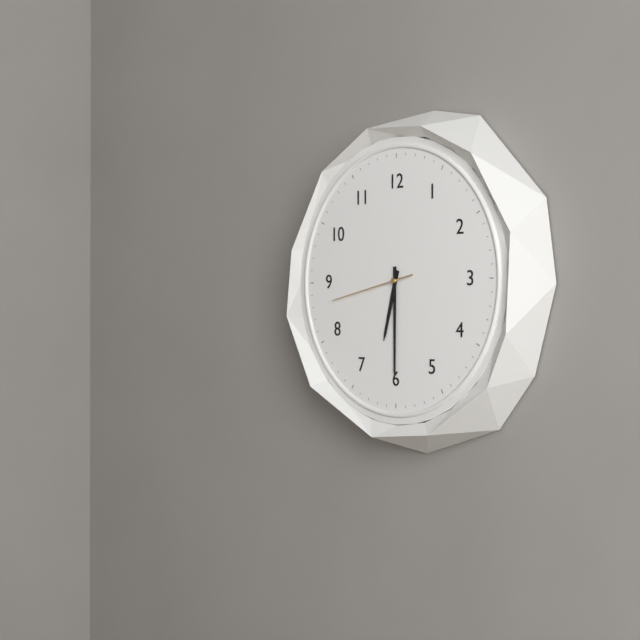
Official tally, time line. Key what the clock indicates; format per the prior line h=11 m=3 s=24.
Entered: h=6 m=30 s=43
